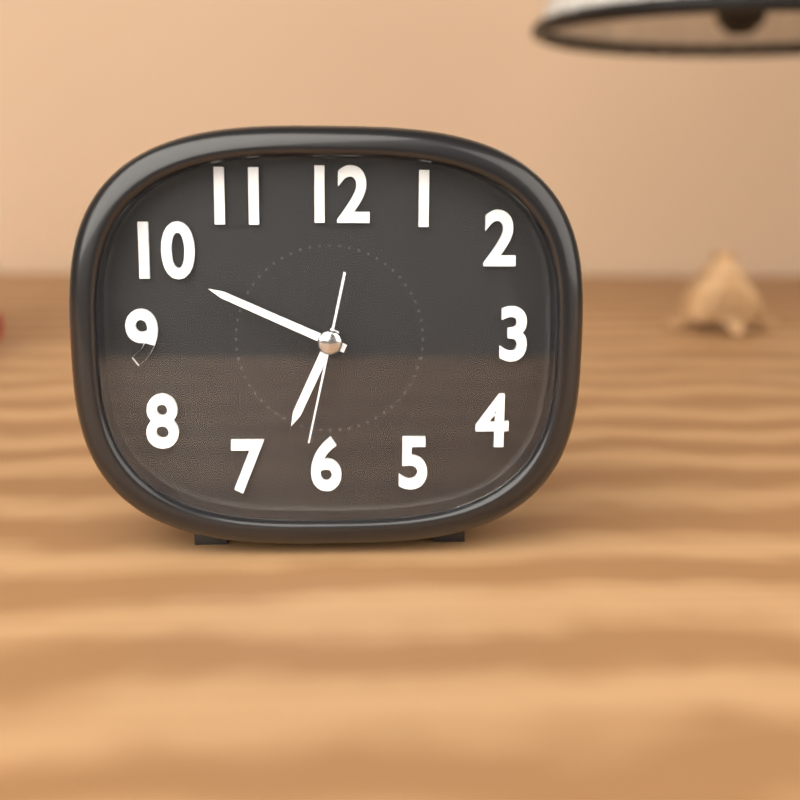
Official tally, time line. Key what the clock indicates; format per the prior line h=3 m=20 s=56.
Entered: h=6 m=49 s=32
